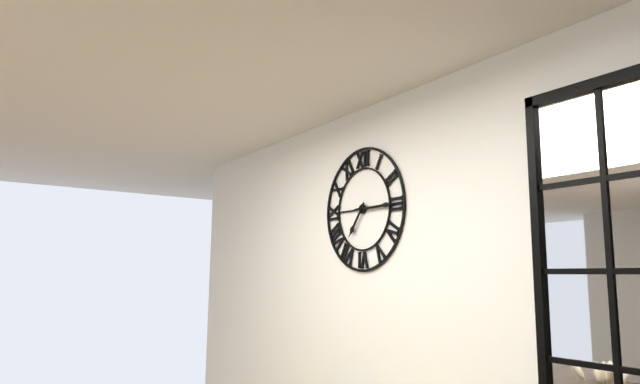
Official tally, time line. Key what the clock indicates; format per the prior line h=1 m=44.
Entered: h=7 m=15
